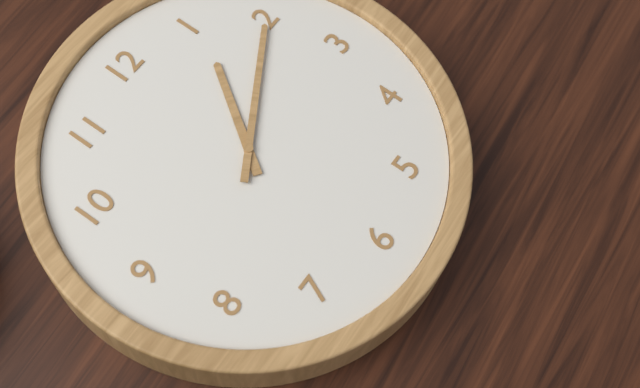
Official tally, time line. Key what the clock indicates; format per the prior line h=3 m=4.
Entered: h=1 m=10
